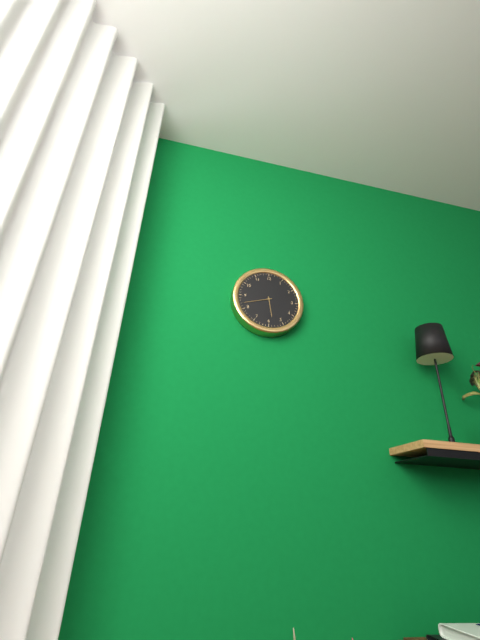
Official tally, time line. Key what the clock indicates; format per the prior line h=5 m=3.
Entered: h=5 m=42
